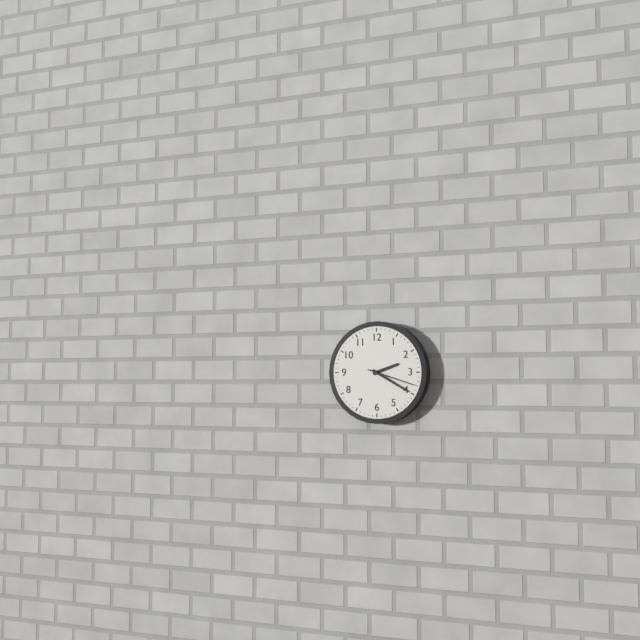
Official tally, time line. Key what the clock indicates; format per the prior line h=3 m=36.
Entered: h=2 m=20
